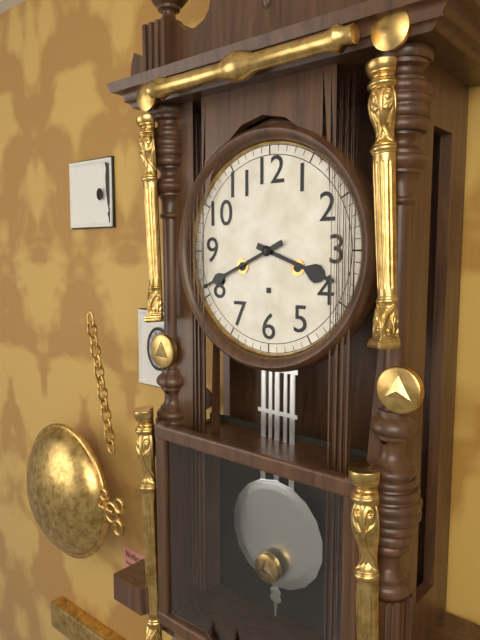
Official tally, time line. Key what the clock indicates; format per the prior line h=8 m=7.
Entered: h=3 m=41
